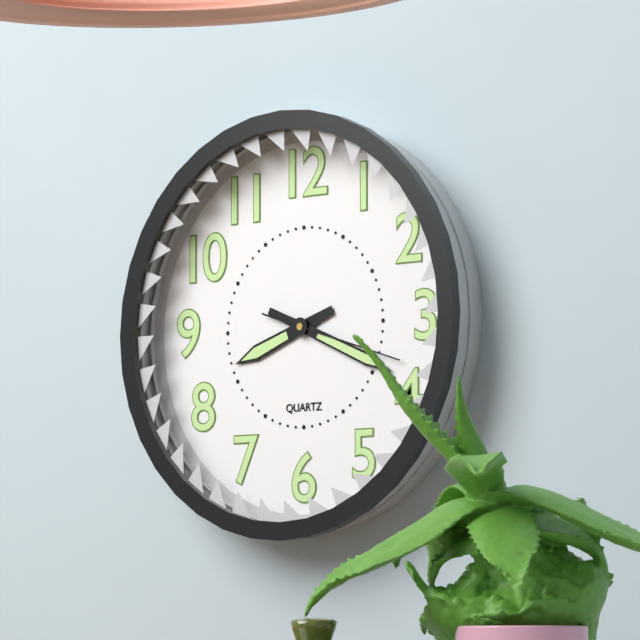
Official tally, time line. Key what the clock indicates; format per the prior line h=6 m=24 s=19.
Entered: h=8 m=19 s=18
